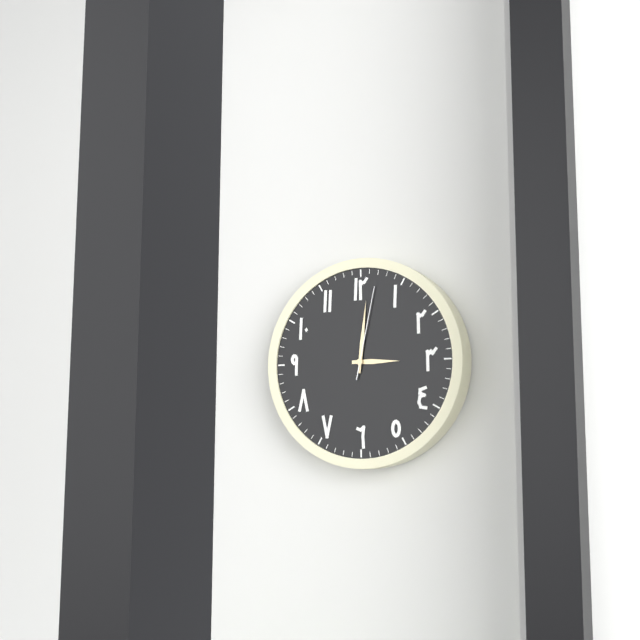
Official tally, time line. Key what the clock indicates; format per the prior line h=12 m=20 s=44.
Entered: h=3 m=1 s=2
